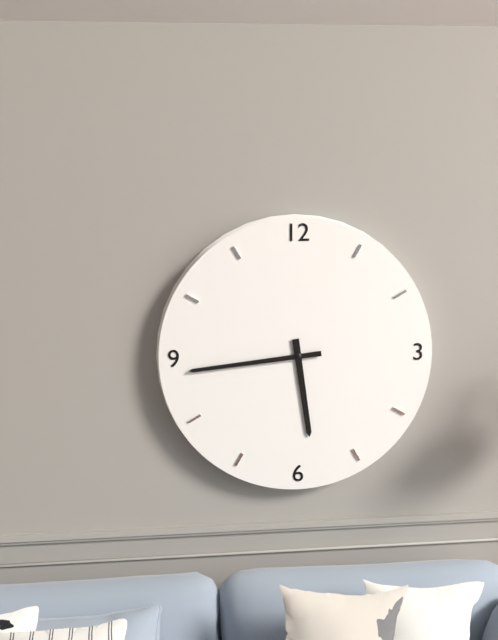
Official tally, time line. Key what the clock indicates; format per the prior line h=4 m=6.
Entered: h=5 m=44
